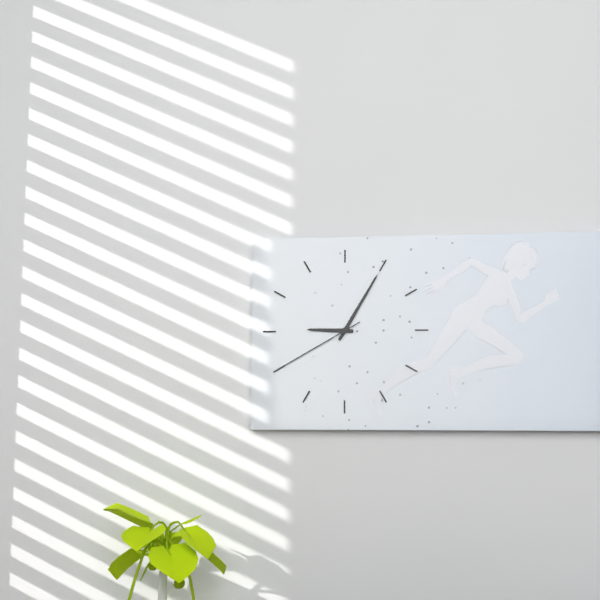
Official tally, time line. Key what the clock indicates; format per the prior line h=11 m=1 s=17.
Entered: h=9 m=5 s=40
